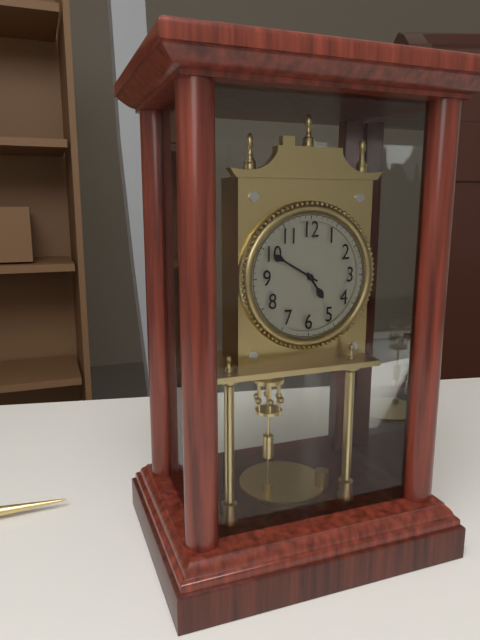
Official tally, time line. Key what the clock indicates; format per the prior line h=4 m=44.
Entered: h=4 m=50
